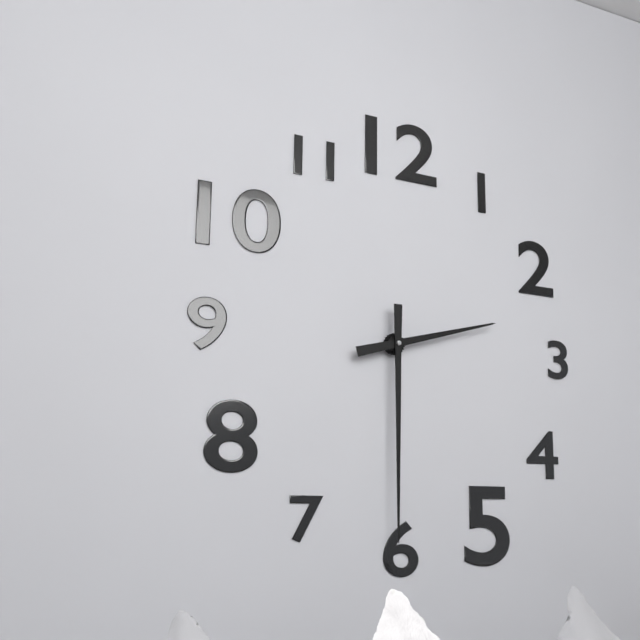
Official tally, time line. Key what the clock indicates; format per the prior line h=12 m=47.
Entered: h=2 m=30
